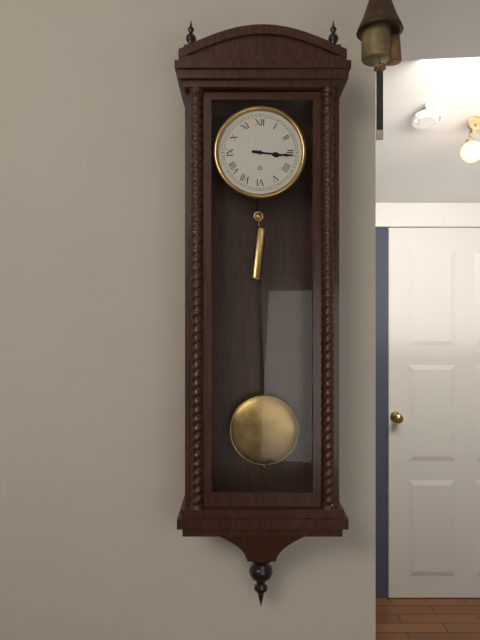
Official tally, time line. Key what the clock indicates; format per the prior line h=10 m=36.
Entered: h=3 m=16
